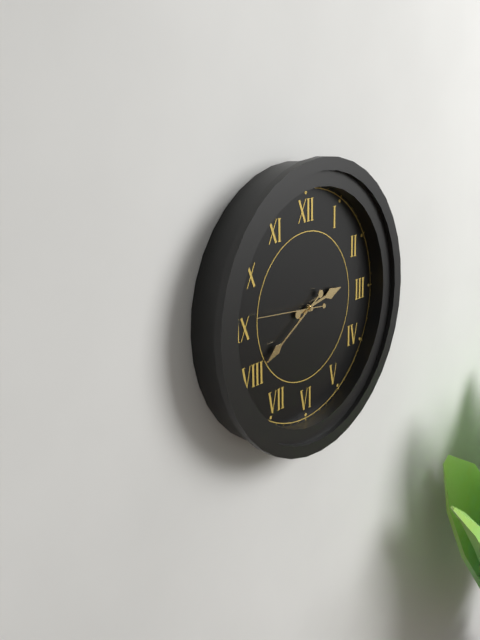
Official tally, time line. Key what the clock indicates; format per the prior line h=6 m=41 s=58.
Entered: h=2 m=40 s=46
